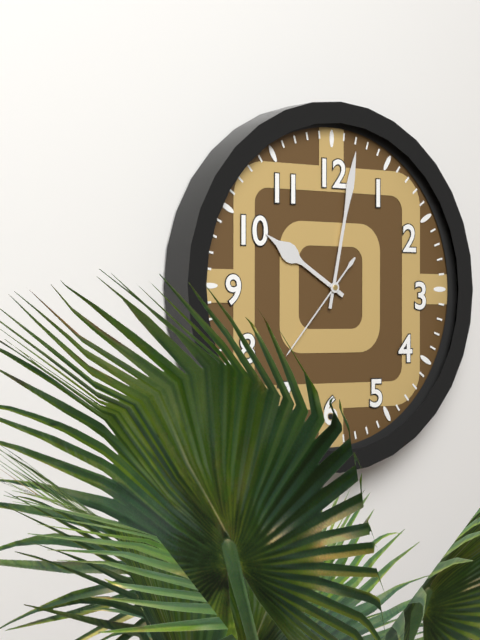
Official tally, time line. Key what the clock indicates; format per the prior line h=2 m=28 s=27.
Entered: h=10 m=2 s=37
